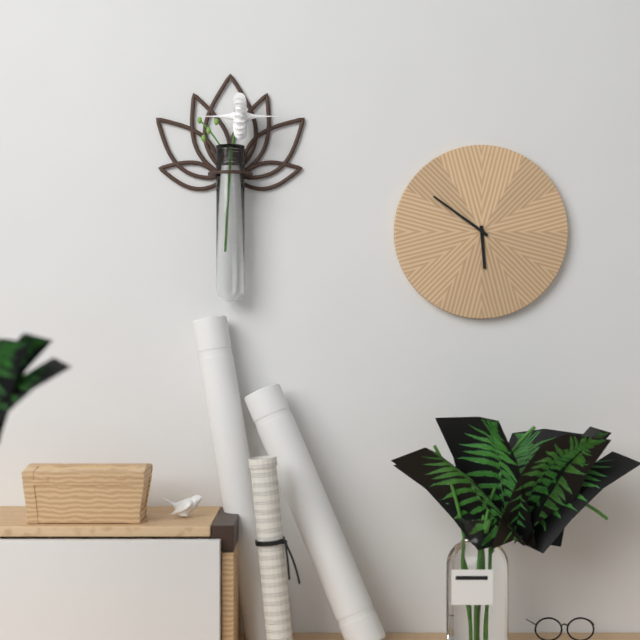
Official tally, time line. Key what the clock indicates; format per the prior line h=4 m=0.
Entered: h=5 m=51
